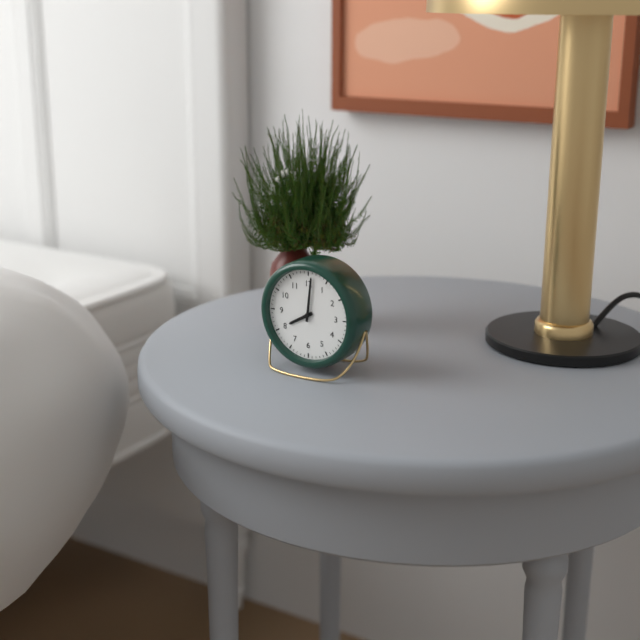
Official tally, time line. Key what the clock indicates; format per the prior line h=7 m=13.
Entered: h=8 m=1
